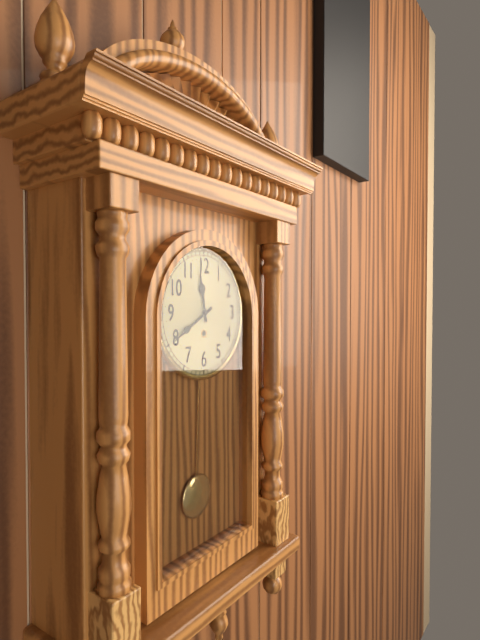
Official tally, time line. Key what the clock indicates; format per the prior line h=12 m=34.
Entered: h=11 m=40
